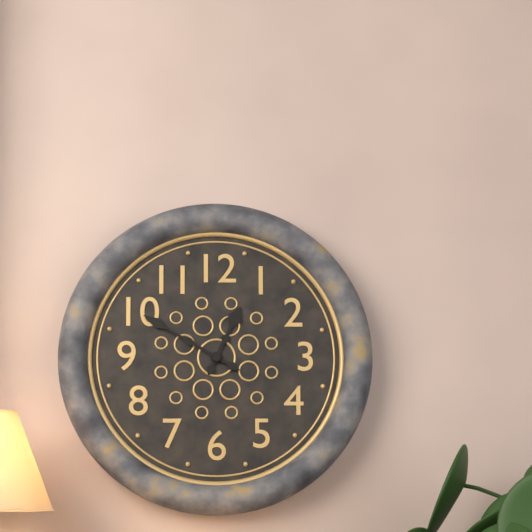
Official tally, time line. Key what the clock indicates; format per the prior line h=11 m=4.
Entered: h=12 m=50
